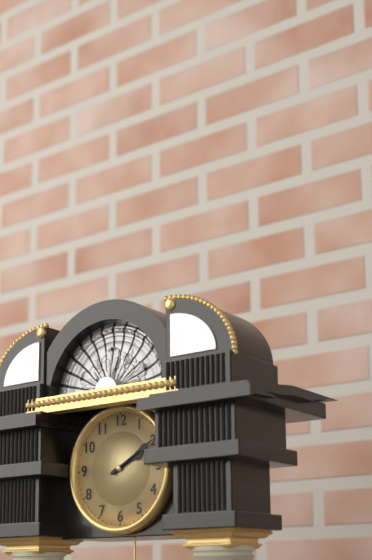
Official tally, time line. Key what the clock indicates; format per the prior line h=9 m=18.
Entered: h=2 m=10
